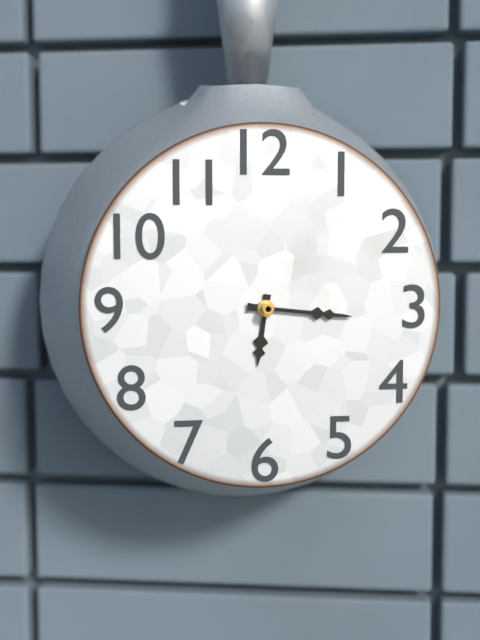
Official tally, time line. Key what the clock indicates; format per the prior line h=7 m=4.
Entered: h=6 m=16
